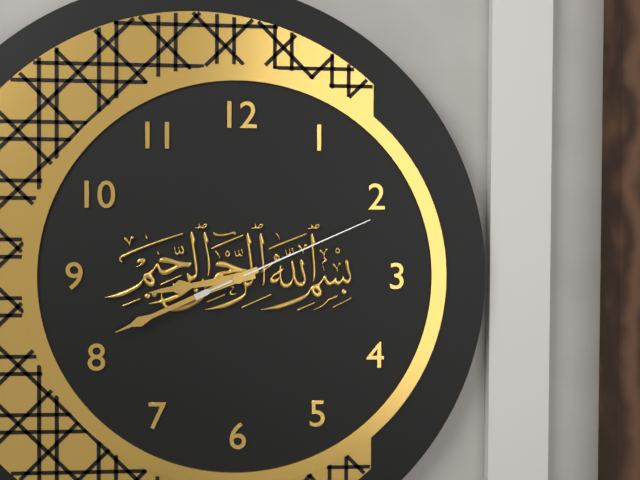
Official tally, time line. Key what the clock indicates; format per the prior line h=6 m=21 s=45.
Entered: h=8 m=41 s=11
